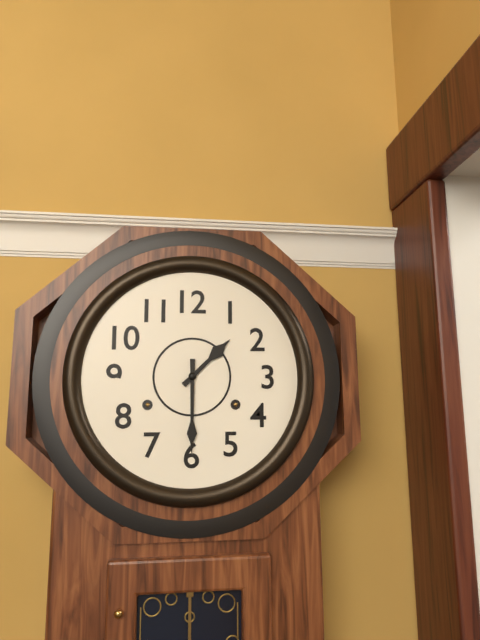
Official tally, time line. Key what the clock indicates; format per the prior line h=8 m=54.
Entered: h=1 m=30
